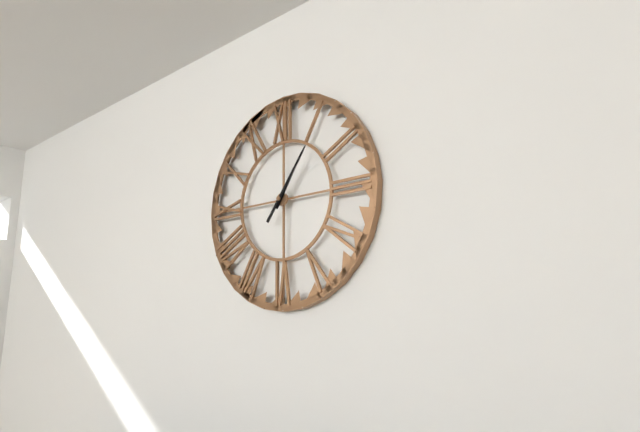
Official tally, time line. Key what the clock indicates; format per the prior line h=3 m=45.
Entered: h=1 m=6
